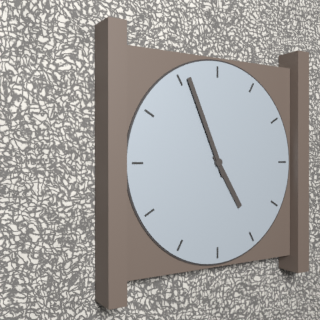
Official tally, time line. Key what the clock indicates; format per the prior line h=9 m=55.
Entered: h=4 m=56
